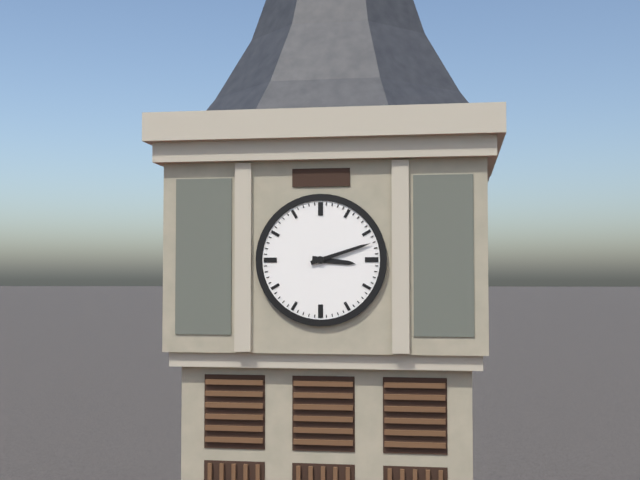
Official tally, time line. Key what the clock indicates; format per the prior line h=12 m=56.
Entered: h=3 m=12
